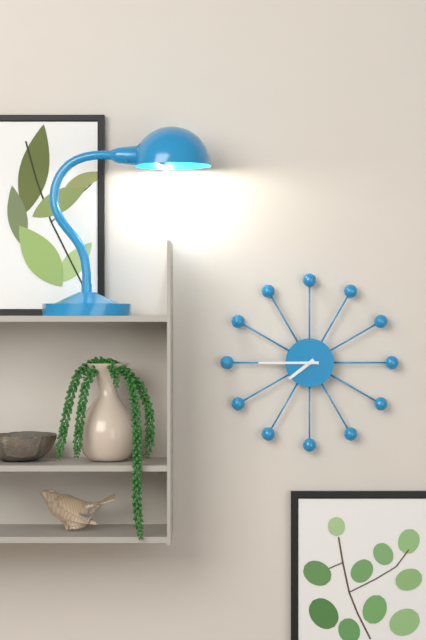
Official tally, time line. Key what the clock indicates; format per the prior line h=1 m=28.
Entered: h=7 m=45
